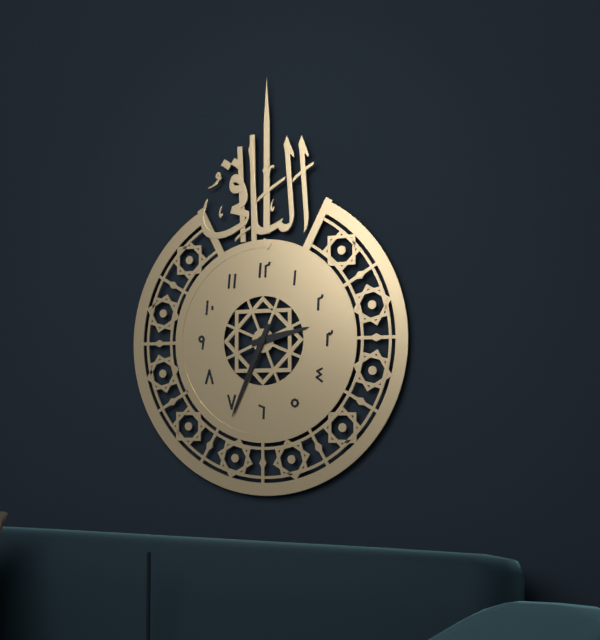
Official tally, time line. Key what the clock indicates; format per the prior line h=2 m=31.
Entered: h=2 m=34
